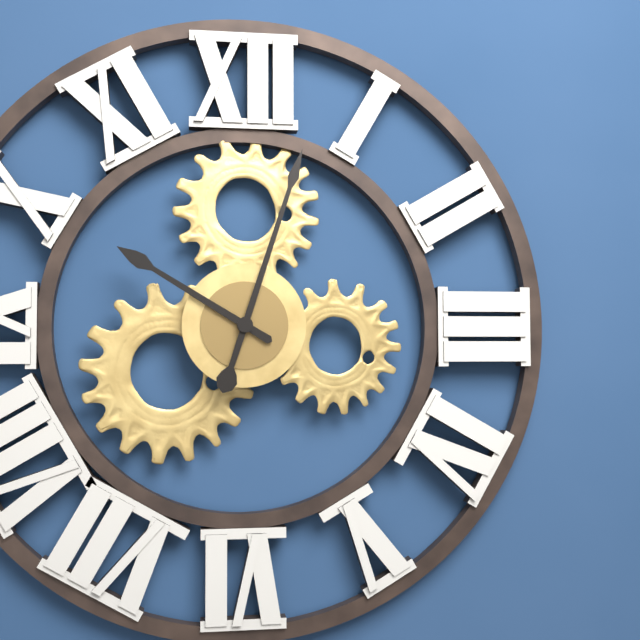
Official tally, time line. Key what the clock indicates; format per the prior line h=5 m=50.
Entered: h=10 m=3
